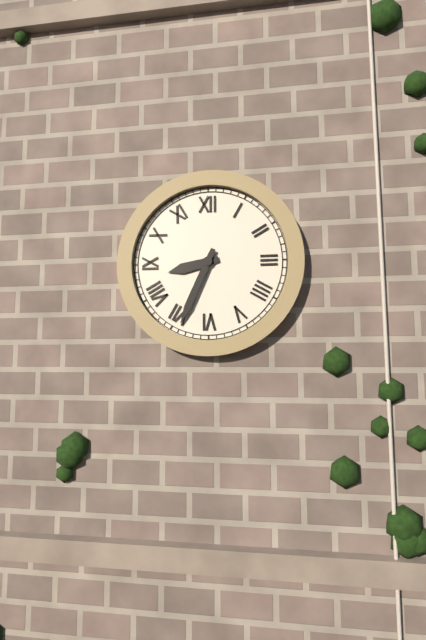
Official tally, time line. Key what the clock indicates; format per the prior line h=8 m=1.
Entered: h=8 m=34
